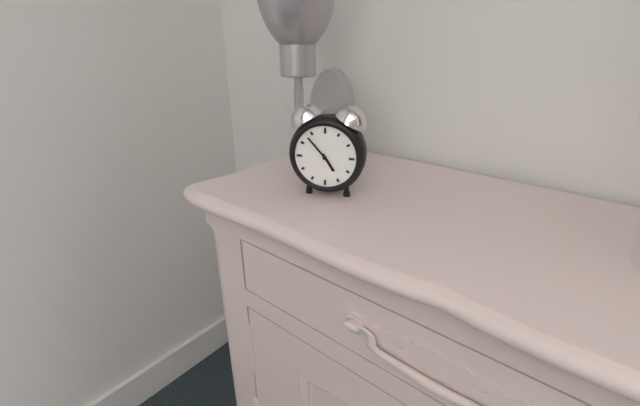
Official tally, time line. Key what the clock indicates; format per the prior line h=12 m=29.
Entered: h=4 m=53
